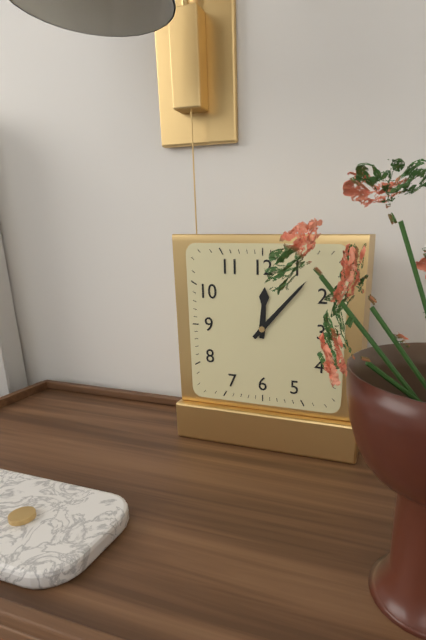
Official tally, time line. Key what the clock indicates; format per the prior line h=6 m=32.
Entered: h=12 m=7
